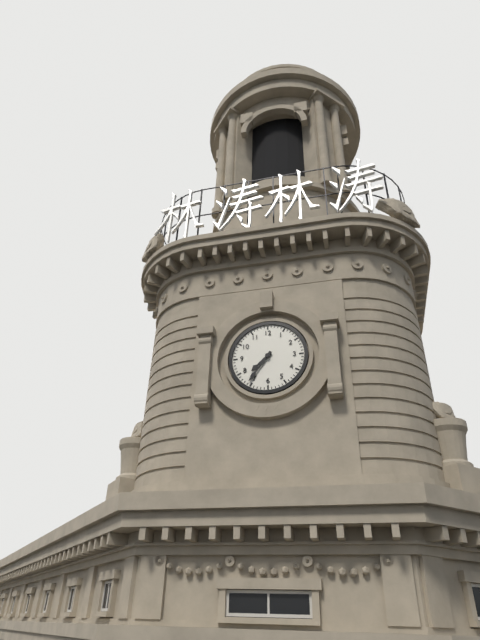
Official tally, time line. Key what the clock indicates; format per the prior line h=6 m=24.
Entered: h=7 m=36
